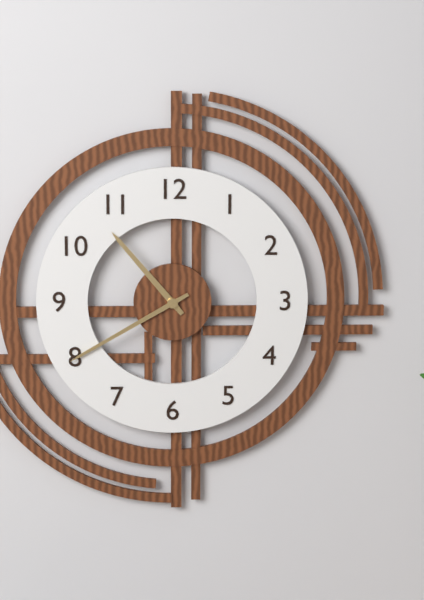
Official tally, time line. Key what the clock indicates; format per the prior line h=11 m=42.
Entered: h=10 m=40
